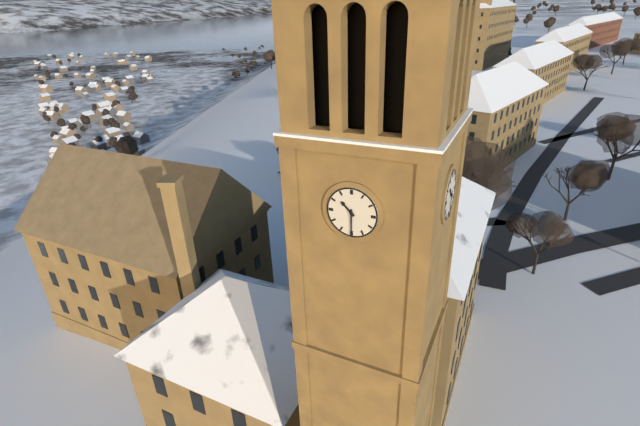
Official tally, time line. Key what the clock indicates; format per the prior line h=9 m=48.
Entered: h=10 m=30
